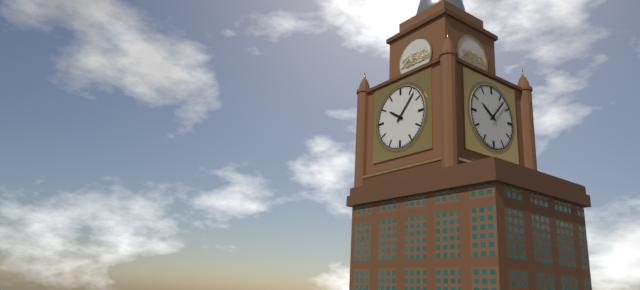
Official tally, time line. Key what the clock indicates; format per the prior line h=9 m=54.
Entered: h=10 m=7
